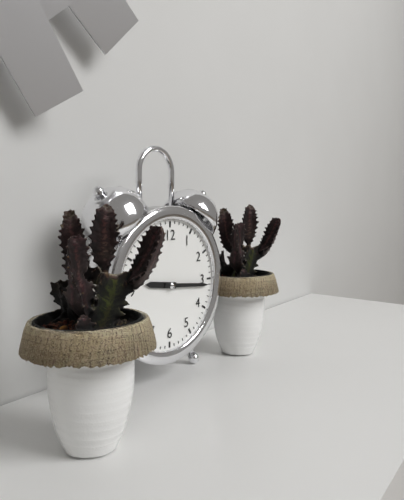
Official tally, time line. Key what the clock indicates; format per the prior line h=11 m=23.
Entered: h=9 m=16
